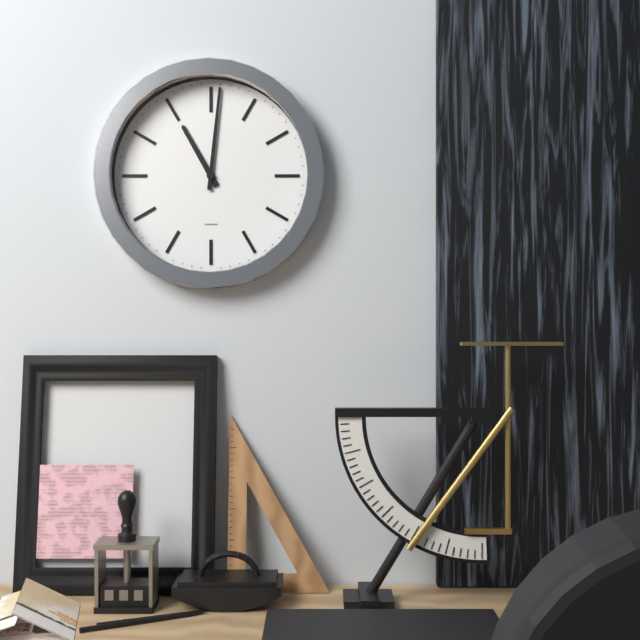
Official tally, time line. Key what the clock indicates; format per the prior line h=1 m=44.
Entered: h=11 m=1
